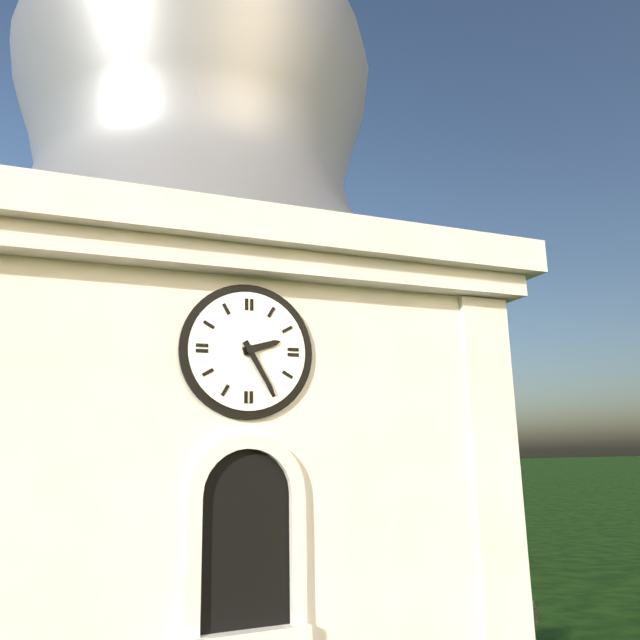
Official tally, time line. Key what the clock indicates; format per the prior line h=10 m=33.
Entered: h=2 m=25
